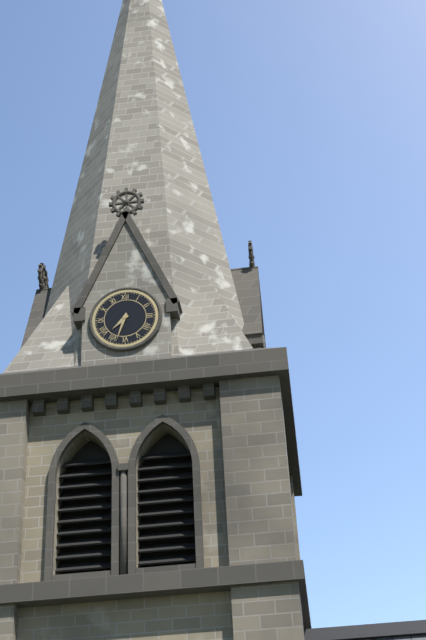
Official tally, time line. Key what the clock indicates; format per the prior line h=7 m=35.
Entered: h=7 m=33
